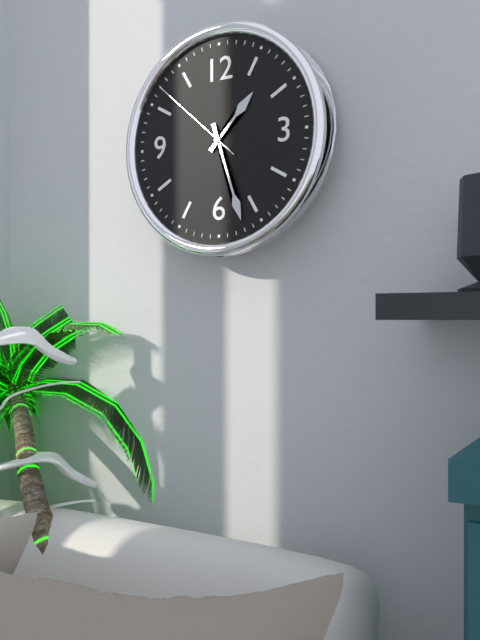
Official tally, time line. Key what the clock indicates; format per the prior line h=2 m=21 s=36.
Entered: h=1 m=27 s=52
